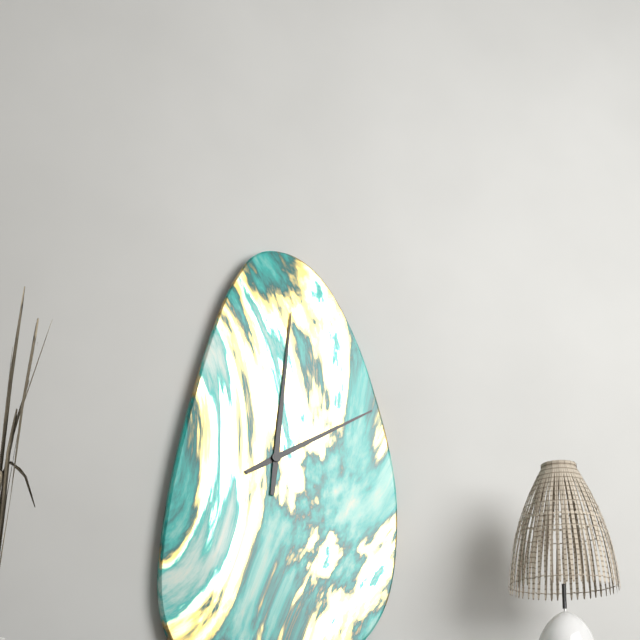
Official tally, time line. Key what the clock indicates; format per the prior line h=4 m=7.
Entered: h=2 m=1
